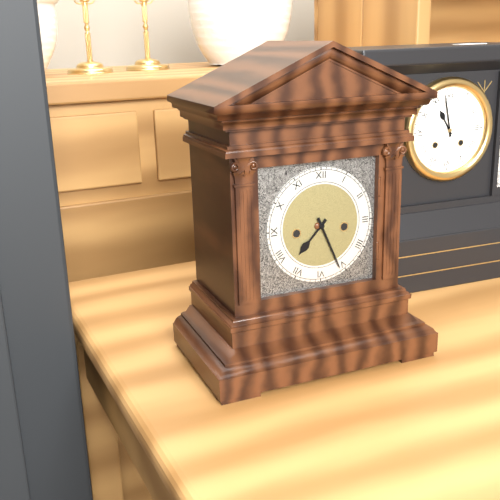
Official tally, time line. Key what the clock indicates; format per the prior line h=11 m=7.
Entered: h=7 m=26
